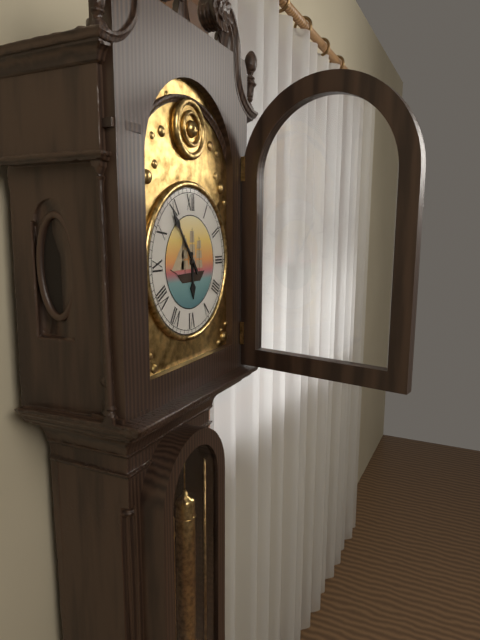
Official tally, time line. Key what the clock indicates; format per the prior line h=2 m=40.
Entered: h=5 m=54
